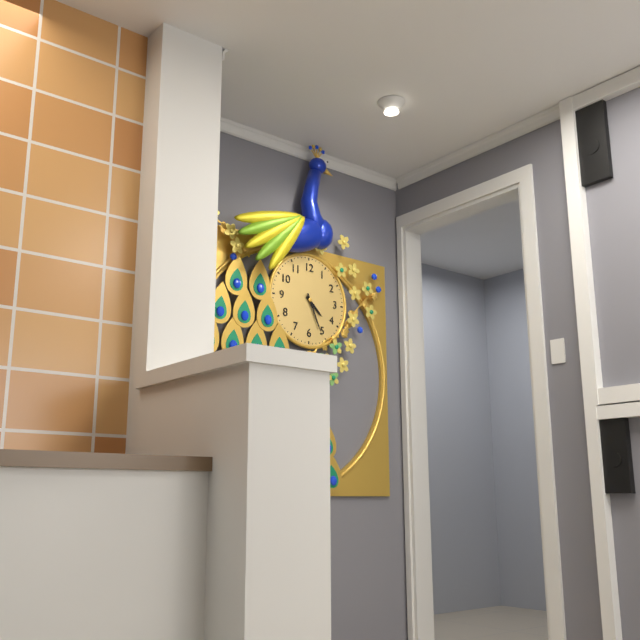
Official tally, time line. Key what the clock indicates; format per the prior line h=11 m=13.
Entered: h=4 m=26
